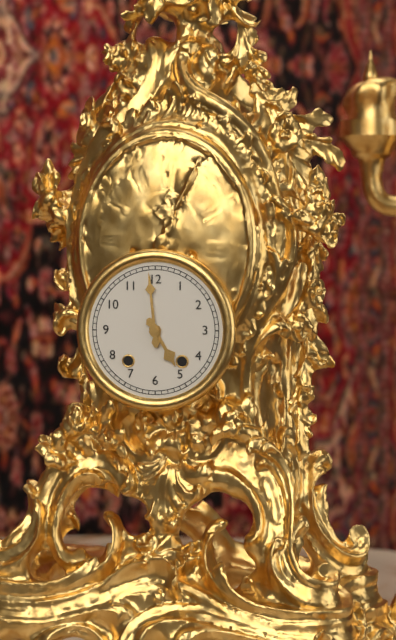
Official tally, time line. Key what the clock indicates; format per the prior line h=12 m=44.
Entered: h=4 m=59
